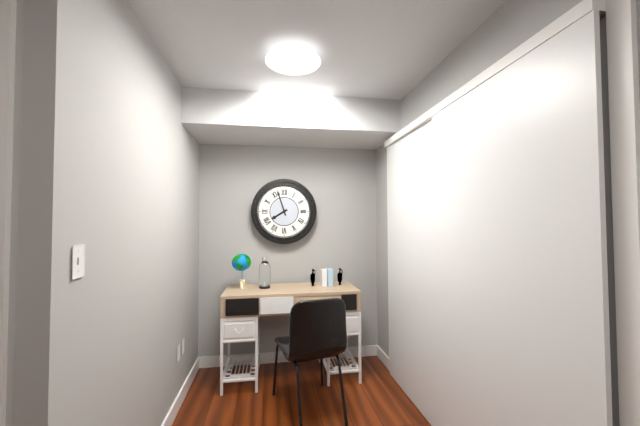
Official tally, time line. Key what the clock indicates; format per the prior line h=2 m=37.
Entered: h=7 m=57
